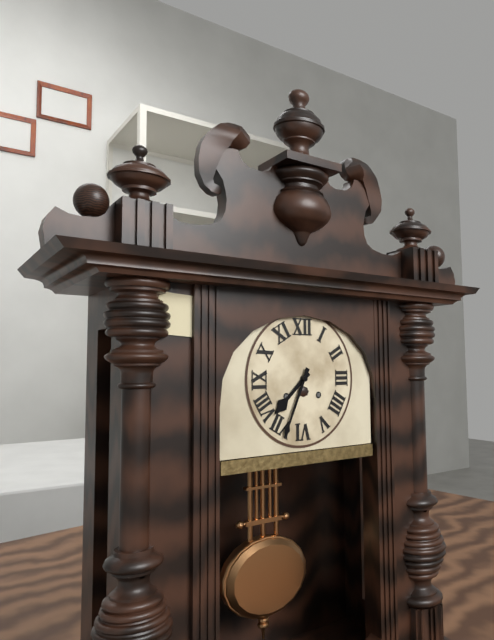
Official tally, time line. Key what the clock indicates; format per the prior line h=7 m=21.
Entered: h=7 m=34
